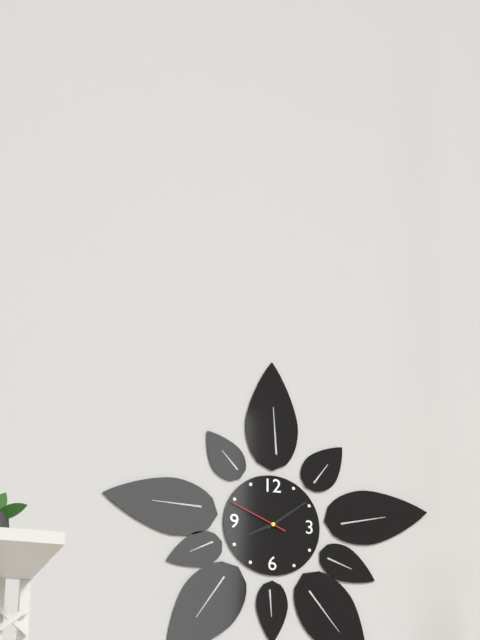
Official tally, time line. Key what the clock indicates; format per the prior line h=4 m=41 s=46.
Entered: h=8 m=9 s=49
